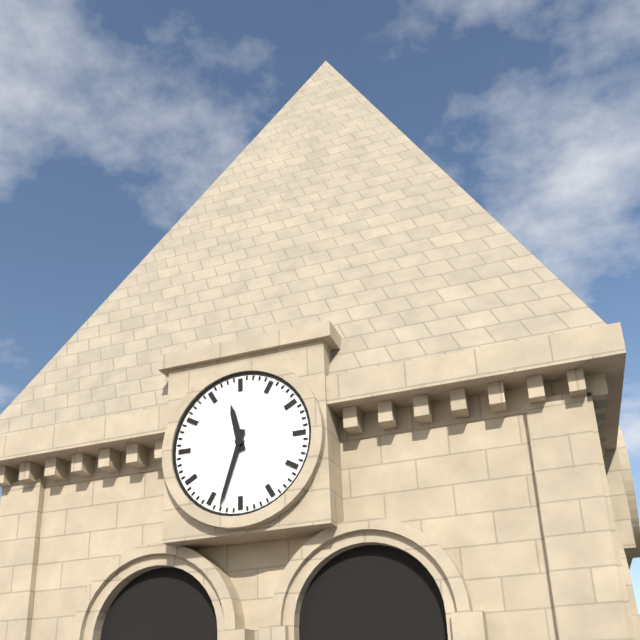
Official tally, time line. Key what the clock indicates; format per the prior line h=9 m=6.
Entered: h=11 m=33
